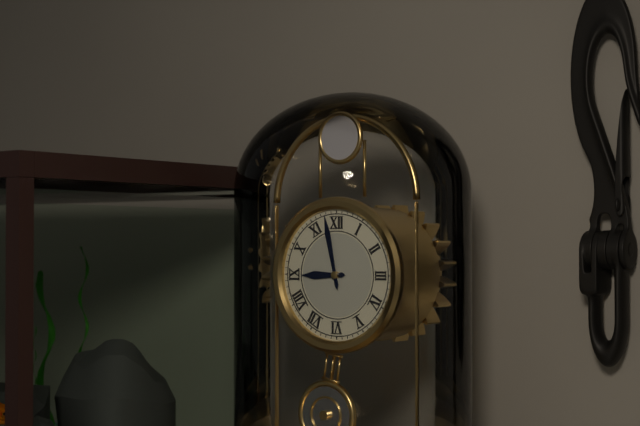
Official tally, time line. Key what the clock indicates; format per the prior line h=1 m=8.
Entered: h=8 m=58
